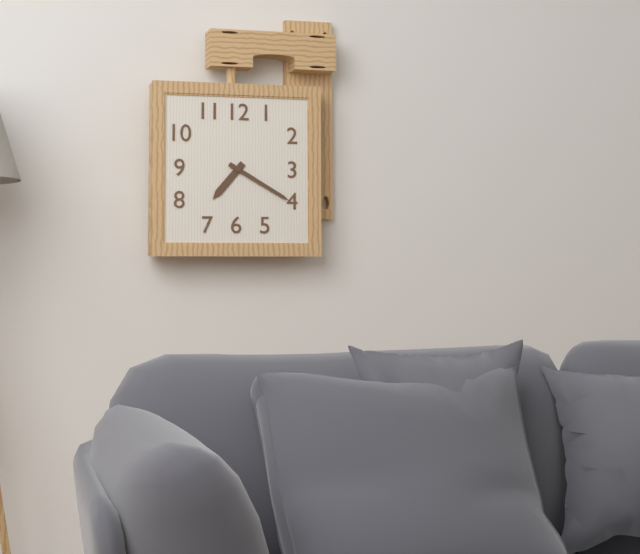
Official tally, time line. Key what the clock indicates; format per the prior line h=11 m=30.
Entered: h=7 m=20
